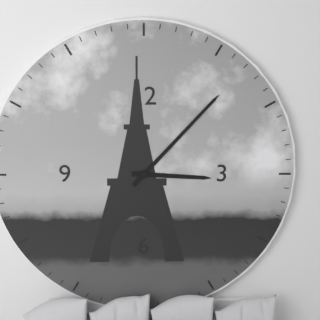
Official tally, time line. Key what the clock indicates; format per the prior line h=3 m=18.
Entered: h=3 m=7
